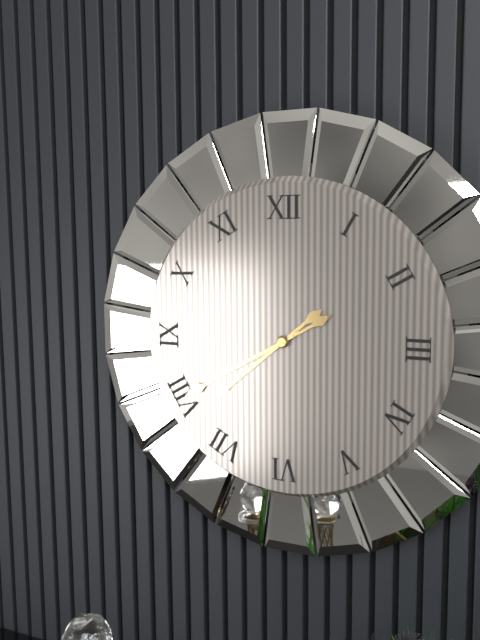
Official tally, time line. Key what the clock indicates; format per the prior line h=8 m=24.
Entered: h=7 m=40
